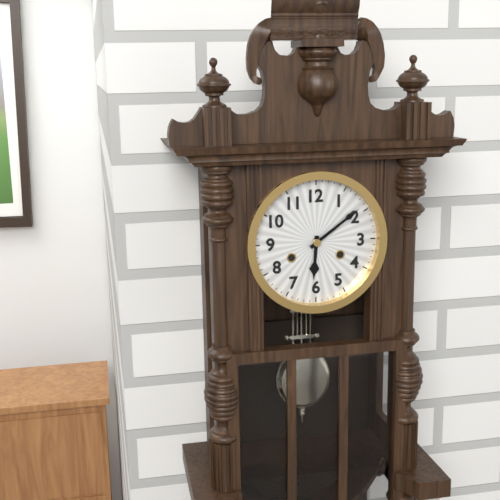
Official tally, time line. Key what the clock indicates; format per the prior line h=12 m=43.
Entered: h=6 m=9
